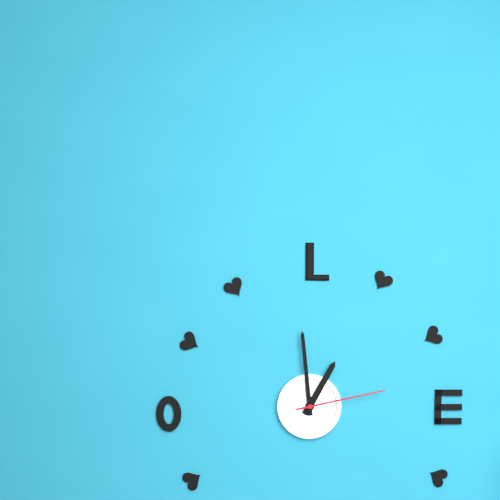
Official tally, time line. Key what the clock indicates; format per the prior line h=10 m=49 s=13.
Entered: h=12 m=59 s=13
